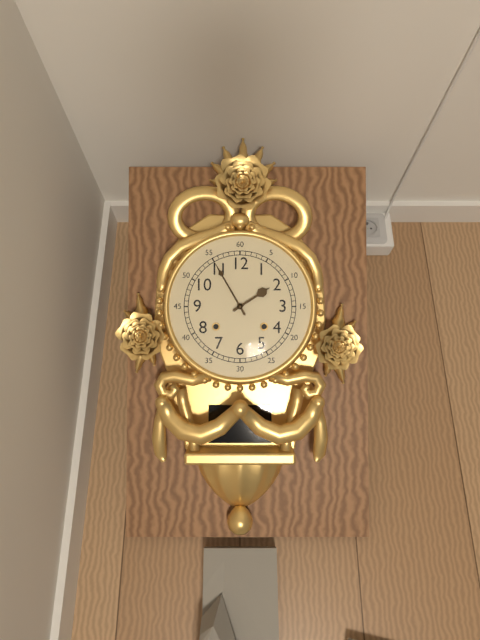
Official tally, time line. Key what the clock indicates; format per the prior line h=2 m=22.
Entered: h=1 m=55
